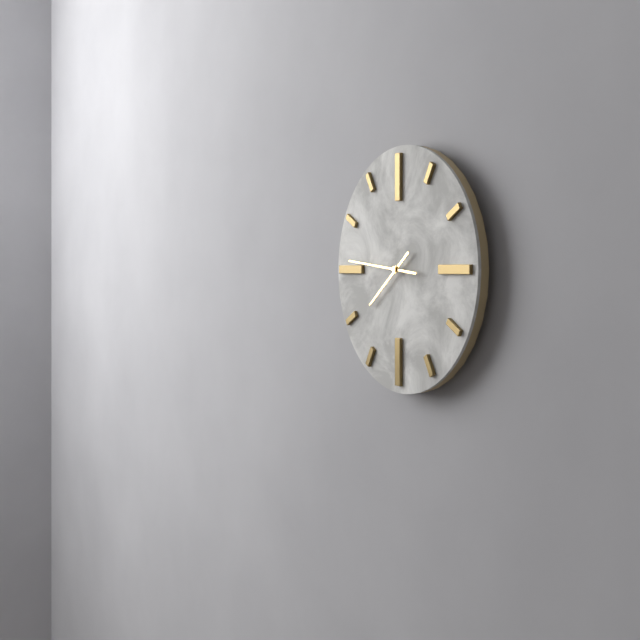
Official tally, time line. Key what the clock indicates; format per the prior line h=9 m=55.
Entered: h=7 m=46
